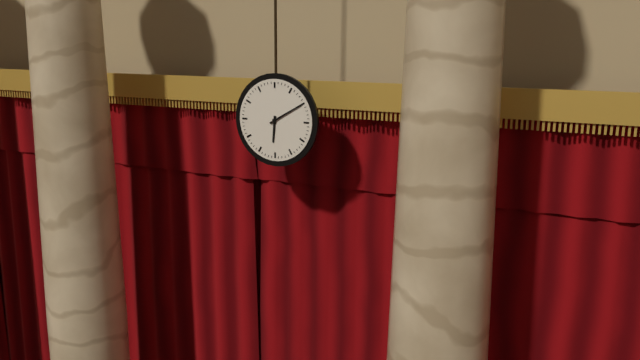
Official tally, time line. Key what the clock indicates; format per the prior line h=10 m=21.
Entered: h=6 m=10
